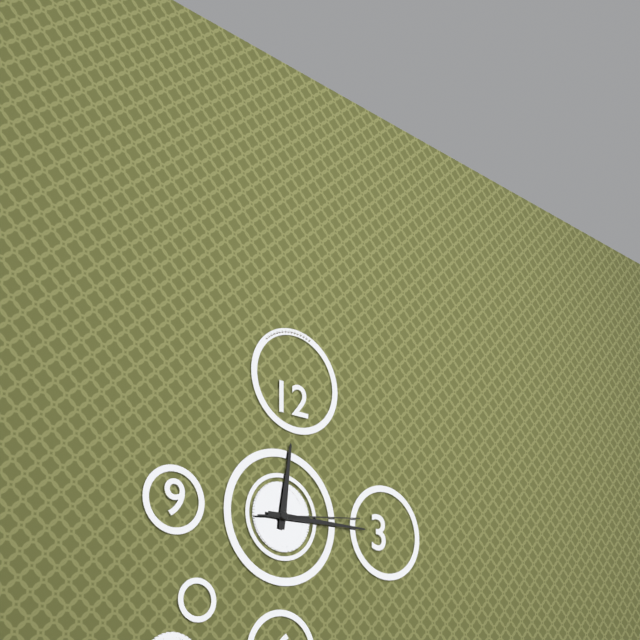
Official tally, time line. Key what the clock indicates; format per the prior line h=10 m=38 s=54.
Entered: h=12 m=15 s=14
